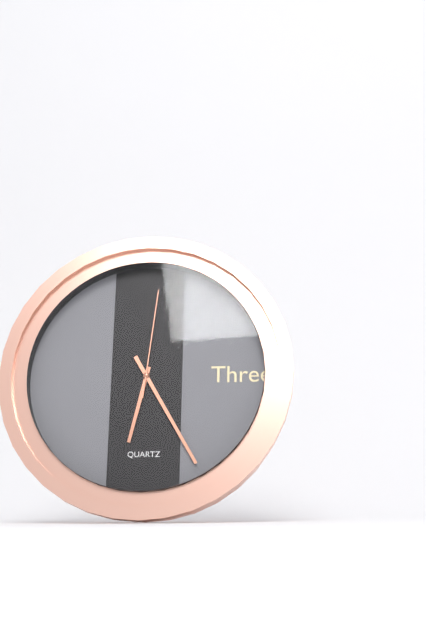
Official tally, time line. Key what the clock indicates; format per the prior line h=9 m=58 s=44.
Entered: h=6 m=25 s=1
